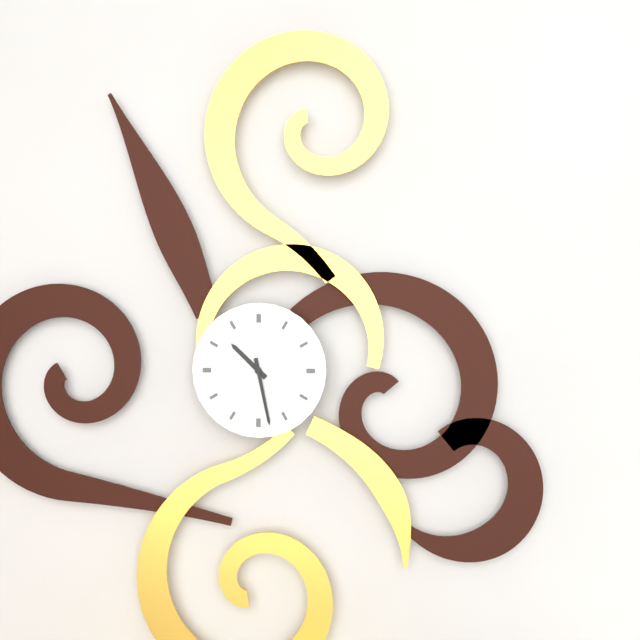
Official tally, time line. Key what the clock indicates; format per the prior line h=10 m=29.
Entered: h=10 m=28
